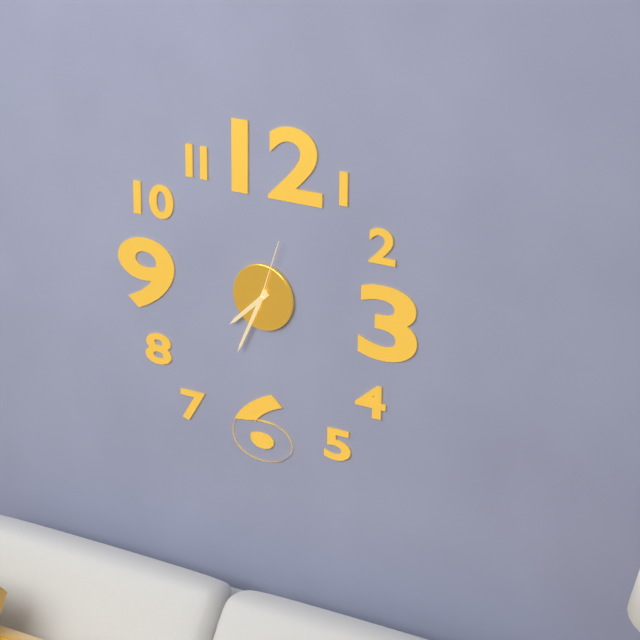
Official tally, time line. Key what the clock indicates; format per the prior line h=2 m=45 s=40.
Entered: h=7 m=34 s=3
